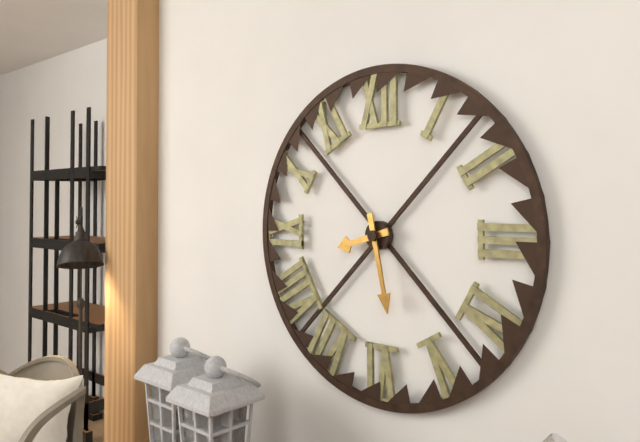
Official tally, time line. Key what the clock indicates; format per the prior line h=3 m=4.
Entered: h=8 m=28
